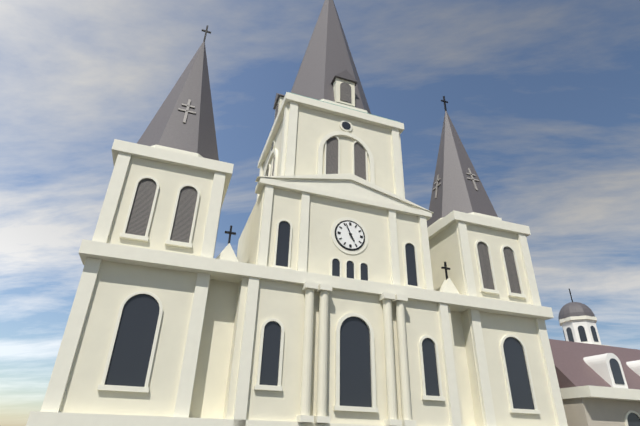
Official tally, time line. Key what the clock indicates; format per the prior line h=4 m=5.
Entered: h=4 m=56
